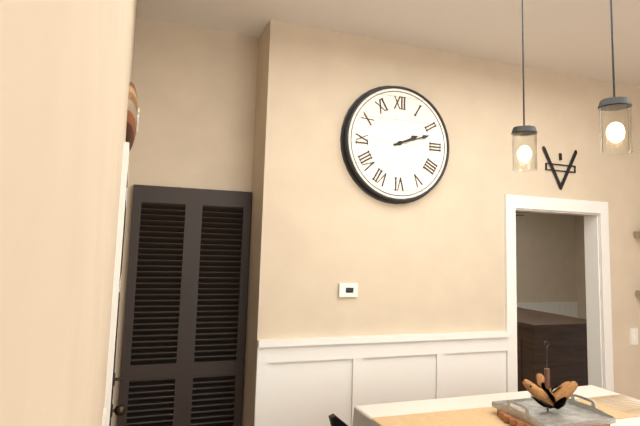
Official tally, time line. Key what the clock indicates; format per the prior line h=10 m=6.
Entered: h=2 m=12
